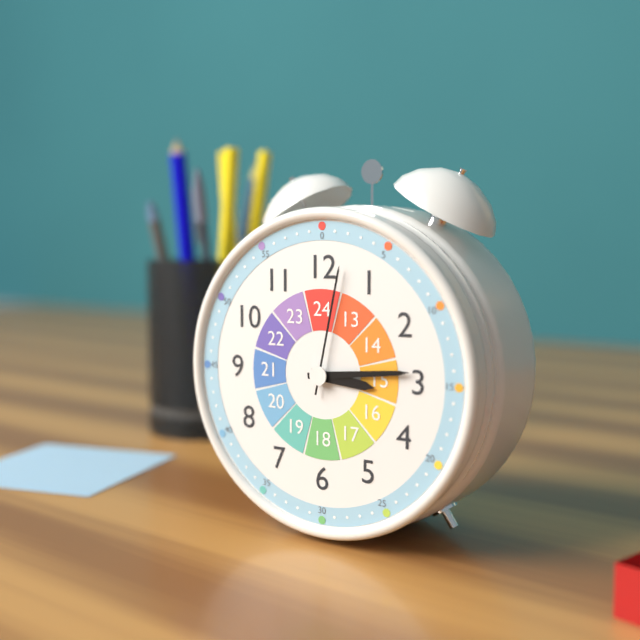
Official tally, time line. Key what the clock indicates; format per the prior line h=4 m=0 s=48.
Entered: h=3 m=14 s=2
